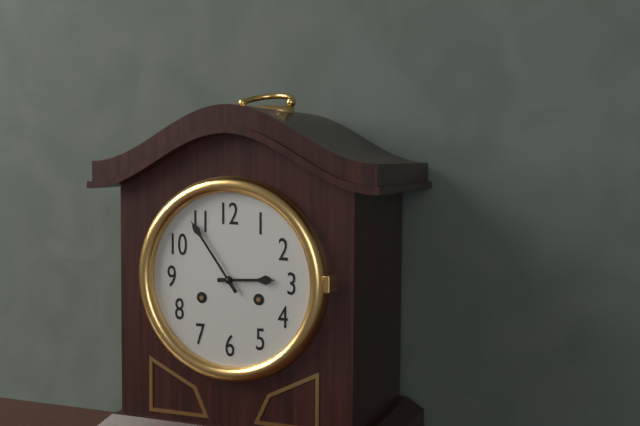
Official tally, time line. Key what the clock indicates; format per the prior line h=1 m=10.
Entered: h=2 m=54
